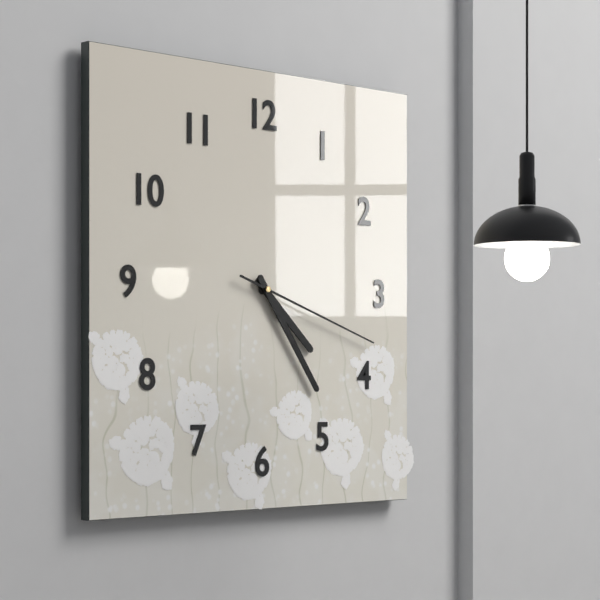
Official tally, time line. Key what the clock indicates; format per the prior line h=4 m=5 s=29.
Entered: h=4 m=24 s=18
